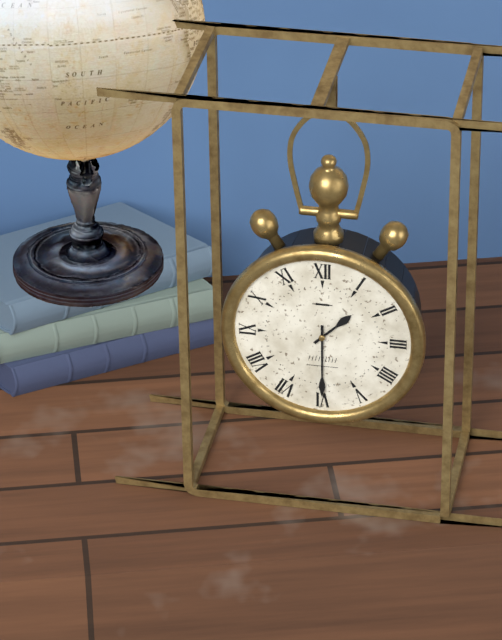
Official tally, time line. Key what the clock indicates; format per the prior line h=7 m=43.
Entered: h=1 m=30
